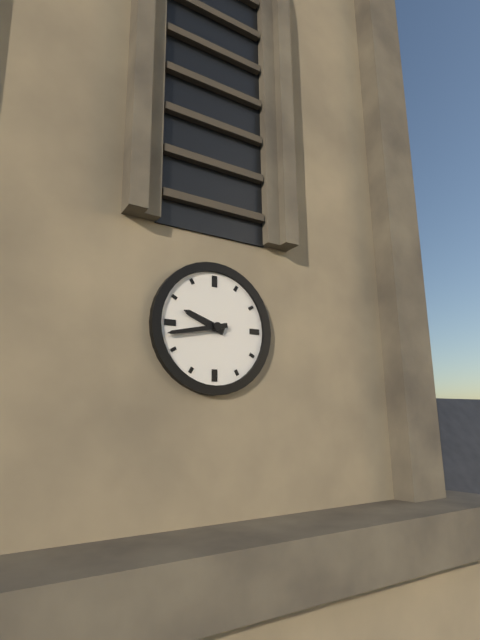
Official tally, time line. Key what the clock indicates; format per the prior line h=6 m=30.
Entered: h=9 m=43
